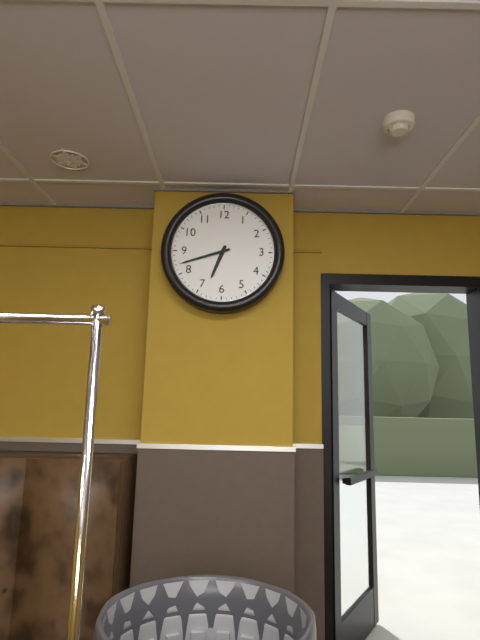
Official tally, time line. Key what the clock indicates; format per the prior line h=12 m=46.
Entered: h=6 m=42
